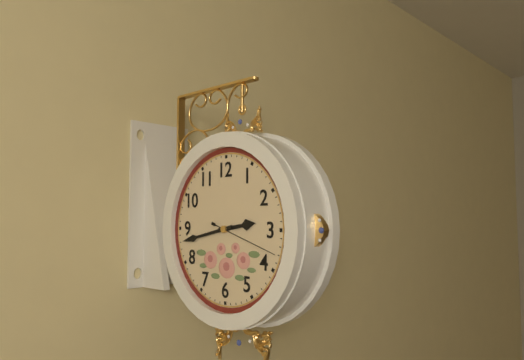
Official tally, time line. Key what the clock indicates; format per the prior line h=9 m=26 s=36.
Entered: h=2 m=43 s=18
